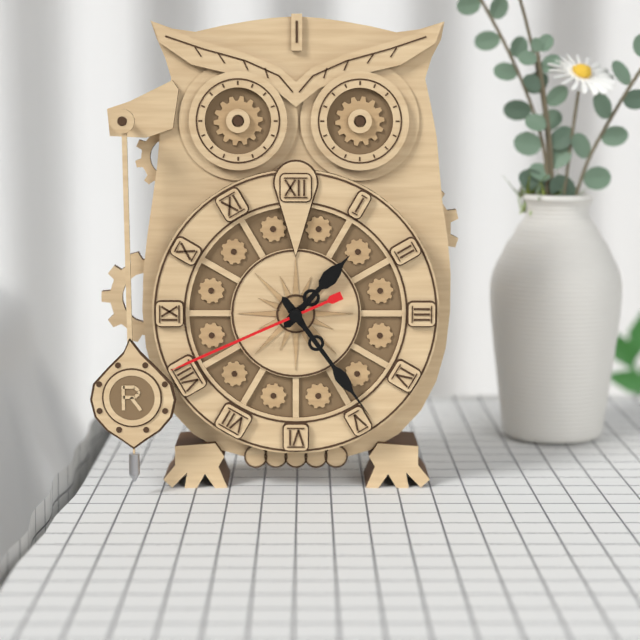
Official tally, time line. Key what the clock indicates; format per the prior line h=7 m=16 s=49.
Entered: h=1 m=24 s=41
